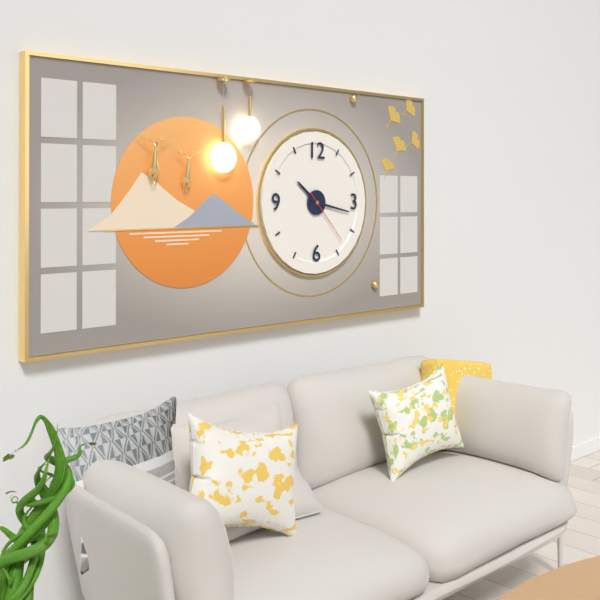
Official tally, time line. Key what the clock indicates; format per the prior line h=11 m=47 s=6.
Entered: h=10 m=17 s=23
